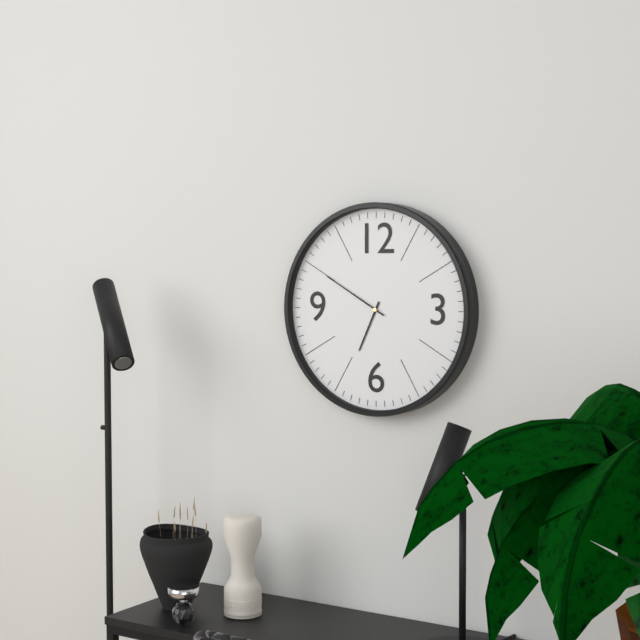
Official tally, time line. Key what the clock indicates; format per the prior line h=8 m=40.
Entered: h=6 m=50
